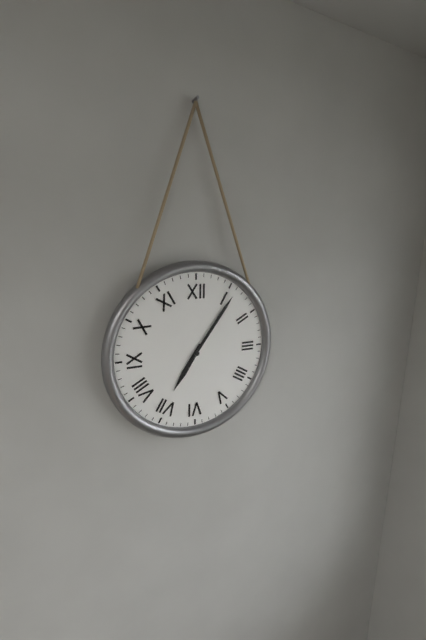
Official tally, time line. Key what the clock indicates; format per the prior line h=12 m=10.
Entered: h=7 m=6
